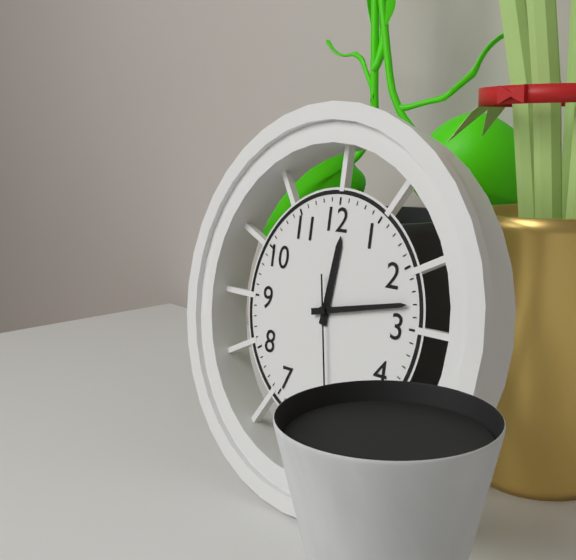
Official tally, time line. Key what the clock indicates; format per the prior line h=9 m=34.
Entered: h=12 m=13
